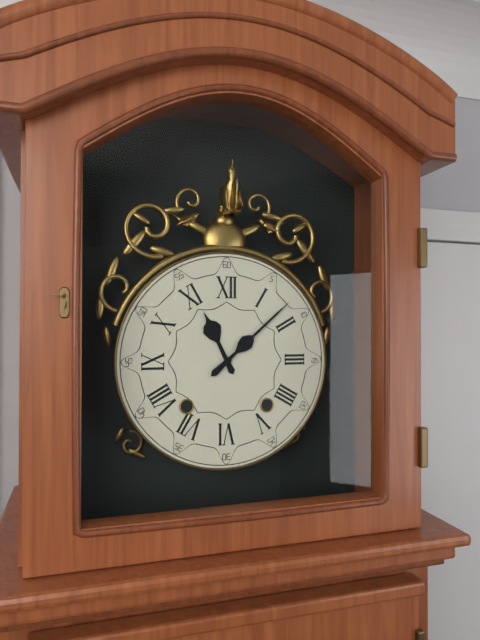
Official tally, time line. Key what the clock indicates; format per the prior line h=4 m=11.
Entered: h=11 m=8
